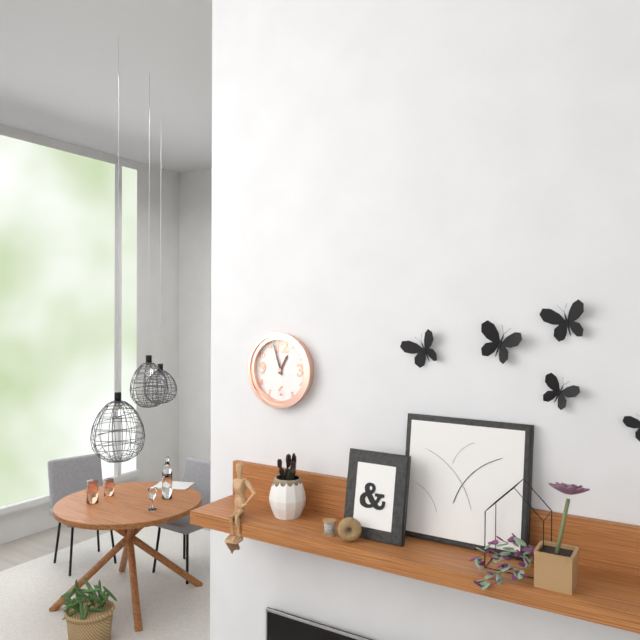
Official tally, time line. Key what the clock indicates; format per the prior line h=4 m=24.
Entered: h=12 m=57
